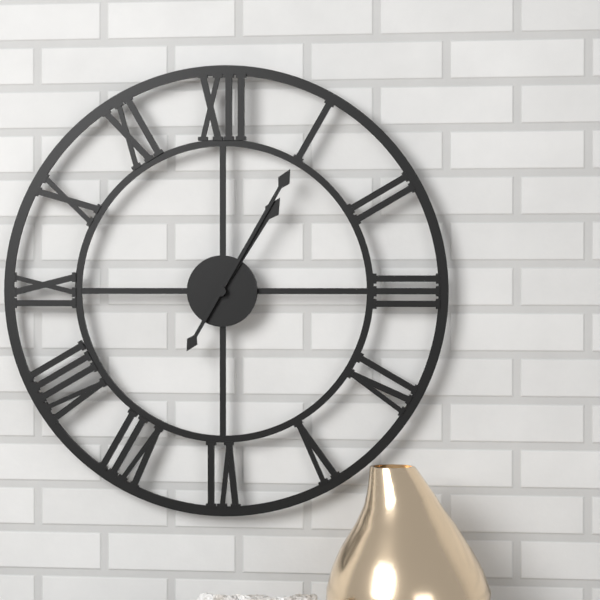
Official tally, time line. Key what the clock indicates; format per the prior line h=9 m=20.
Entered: h=1 m=5
